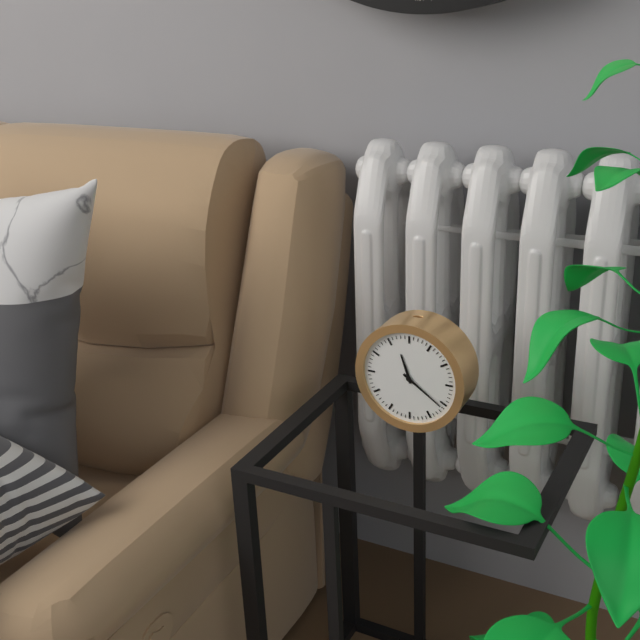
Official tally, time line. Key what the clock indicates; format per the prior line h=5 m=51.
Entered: h=11 m=21
